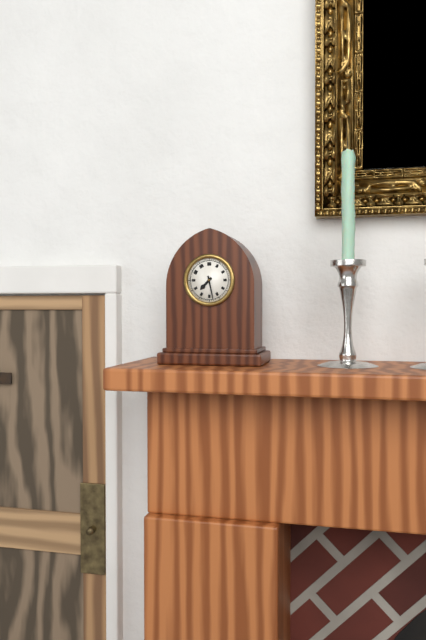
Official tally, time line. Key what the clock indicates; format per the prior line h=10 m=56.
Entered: h=7 m=28
